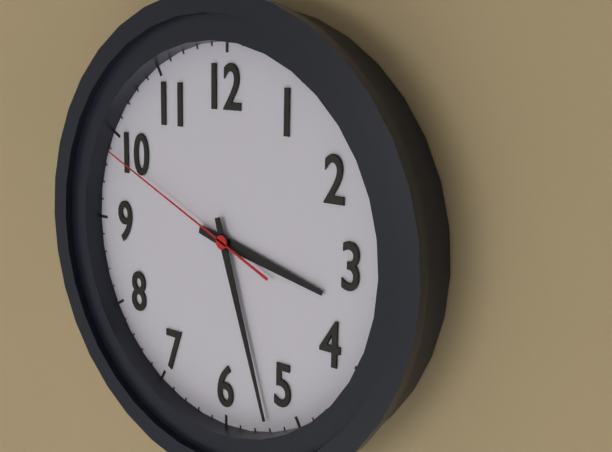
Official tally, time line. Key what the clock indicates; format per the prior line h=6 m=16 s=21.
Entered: h=3 m=27 s=49
